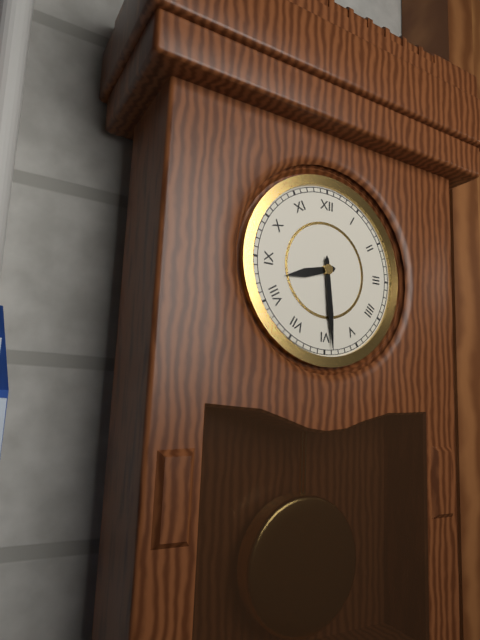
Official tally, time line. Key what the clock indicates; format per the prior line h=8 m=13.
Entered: h=8 m=29
